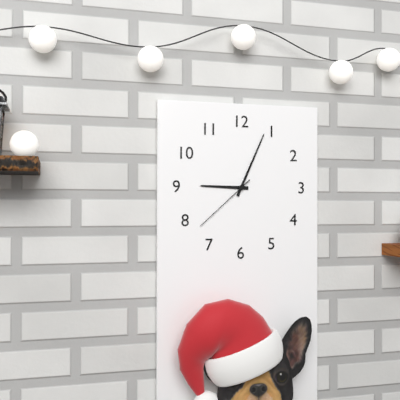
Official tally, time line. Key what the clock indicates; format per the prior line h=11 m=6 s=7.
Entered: h=9 m=4 s=38
